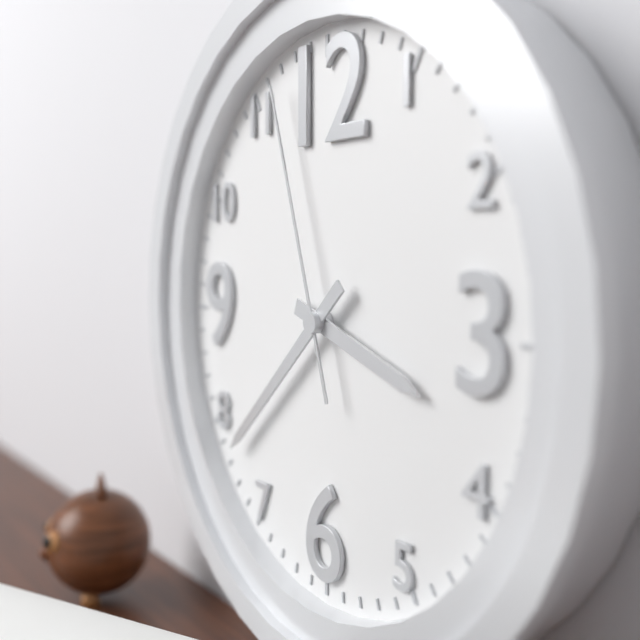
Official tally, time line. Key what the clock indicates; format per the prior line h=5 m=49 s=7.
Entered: h=3 m=38 s=57
